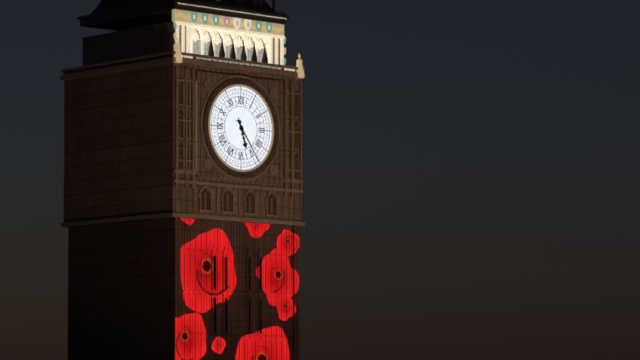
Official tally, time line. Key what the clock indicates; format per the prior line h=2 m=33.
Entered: h=5 m=24
